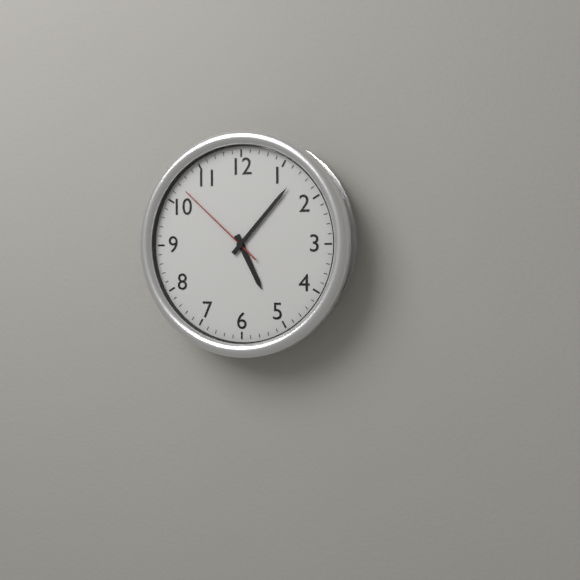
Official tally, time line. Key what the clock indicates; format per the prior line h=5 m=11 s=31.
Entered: h=5 m=7 s=52
